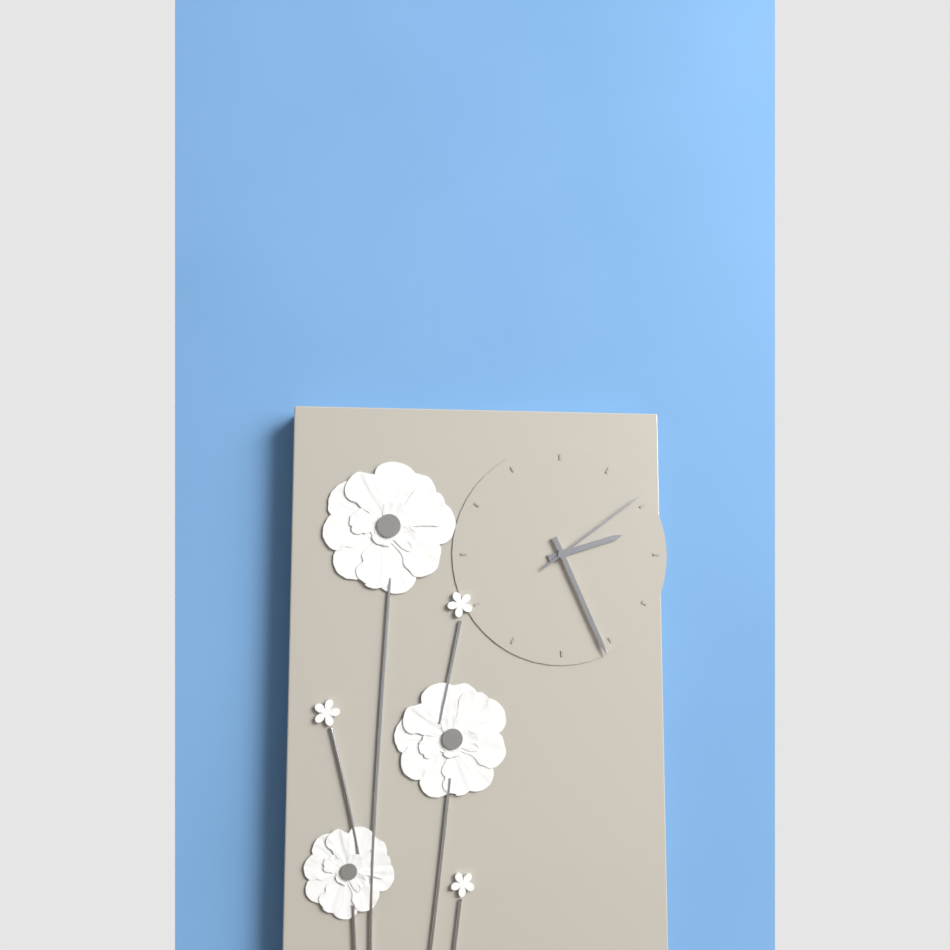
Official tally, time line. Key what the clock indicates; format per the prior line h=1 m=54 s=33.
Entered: h=2 m=26 s=9
